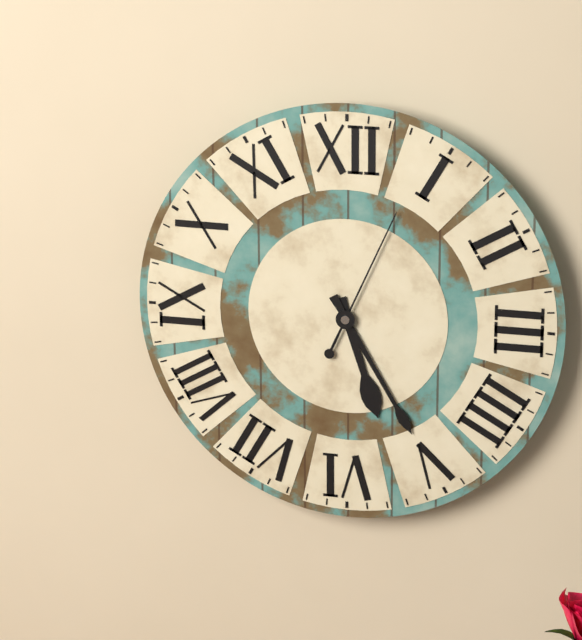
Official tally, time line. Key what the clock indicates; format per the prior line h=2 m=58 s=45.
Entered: h=5 m=25 s=4
